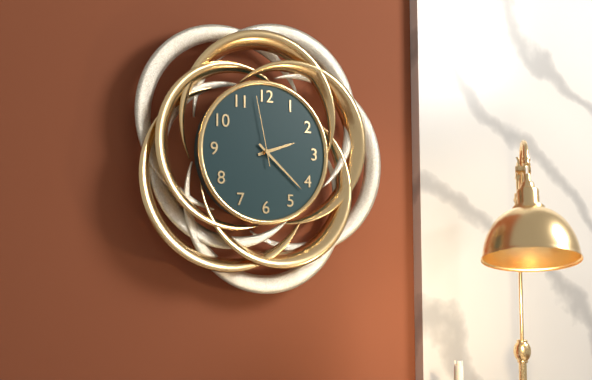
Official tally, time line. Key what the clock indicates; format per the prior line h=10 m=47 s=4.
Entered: h=2 m=22 s=58
